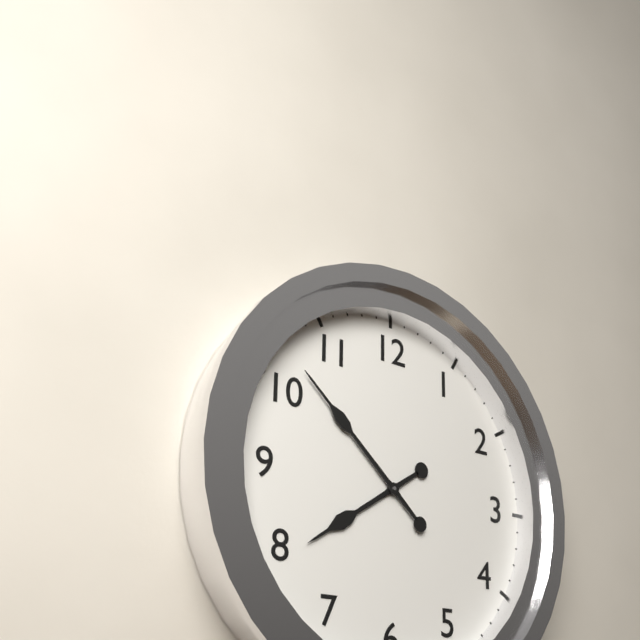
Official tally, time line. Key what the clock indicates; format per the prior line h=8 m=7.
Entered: h=7 m=52
